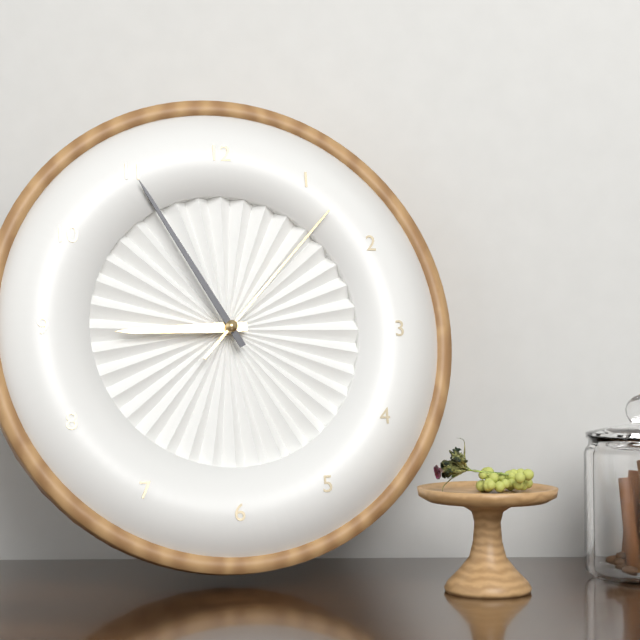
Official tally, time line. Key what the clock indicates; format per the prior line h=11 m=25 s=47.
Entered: h=8 m=55 s=7
